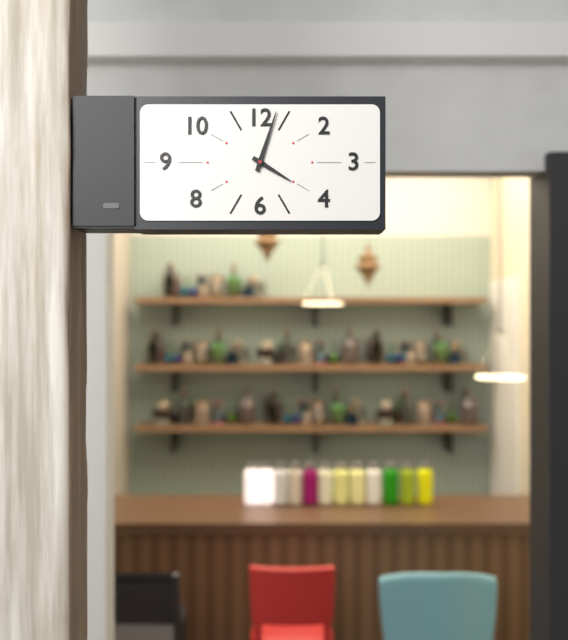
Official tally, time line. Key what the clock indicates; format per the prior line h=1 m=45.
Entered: h=4 m=3
